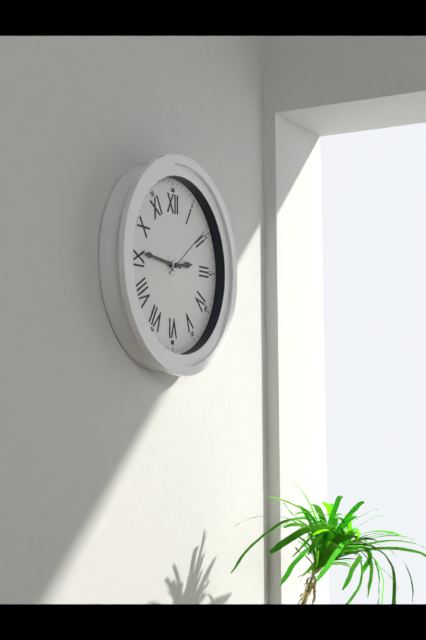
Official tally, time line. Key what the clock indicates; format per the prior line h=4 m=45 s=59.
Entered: h=2 m=46 s=9
